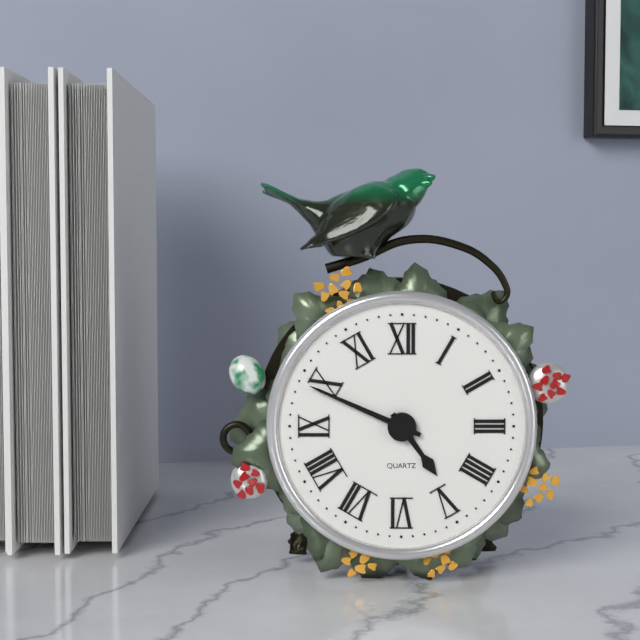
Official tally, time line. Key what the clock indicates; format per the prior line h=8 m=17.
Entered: h=4 m=49
